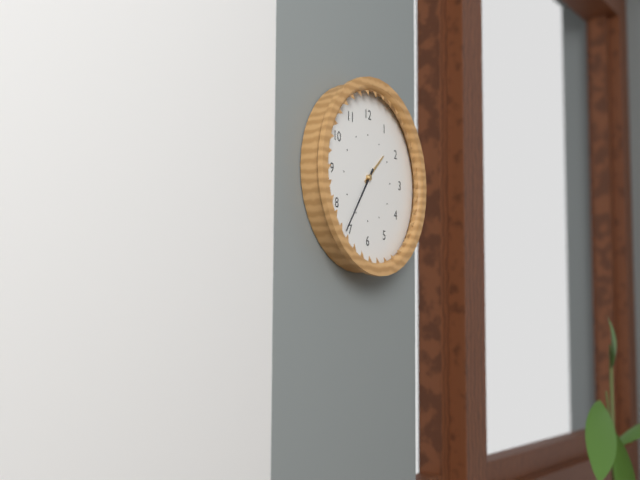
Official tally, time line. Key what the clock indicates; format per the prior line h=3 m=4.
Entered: h=1 m=36
